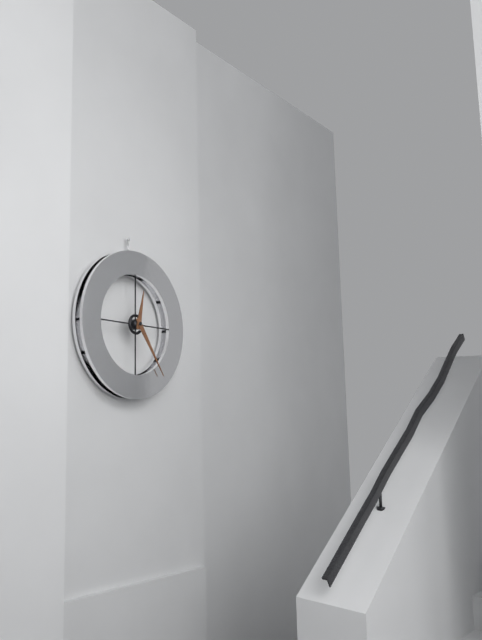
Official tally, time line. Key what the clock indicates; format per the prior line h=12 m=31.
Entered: h=12 m=24
